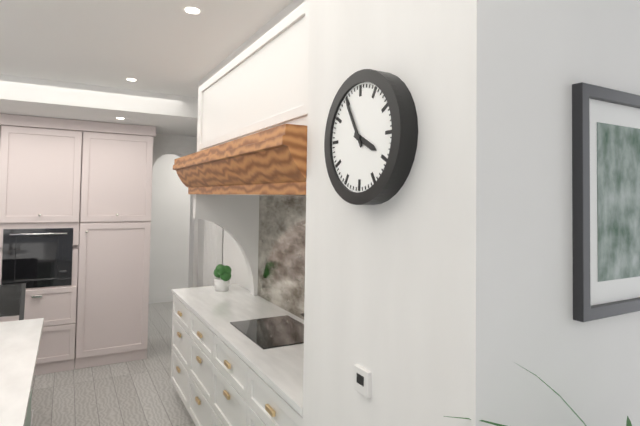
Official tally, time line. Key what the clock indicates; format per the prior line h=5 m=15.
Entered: h=3 m=55
